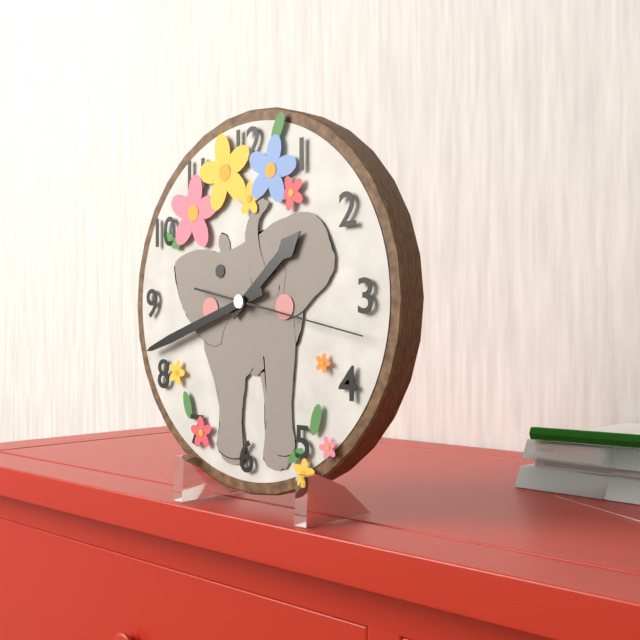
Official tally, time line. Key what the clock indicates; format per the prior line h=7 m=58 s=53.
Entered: h=1 m=42 s=17
